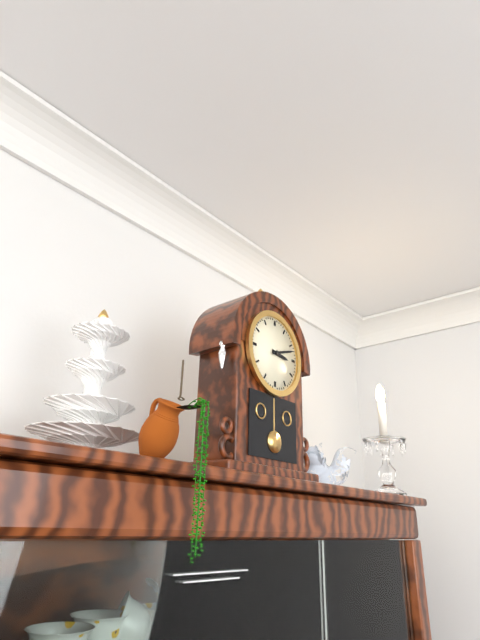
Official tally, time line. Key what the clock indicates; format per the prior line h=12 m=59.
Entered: h=3 m=12
